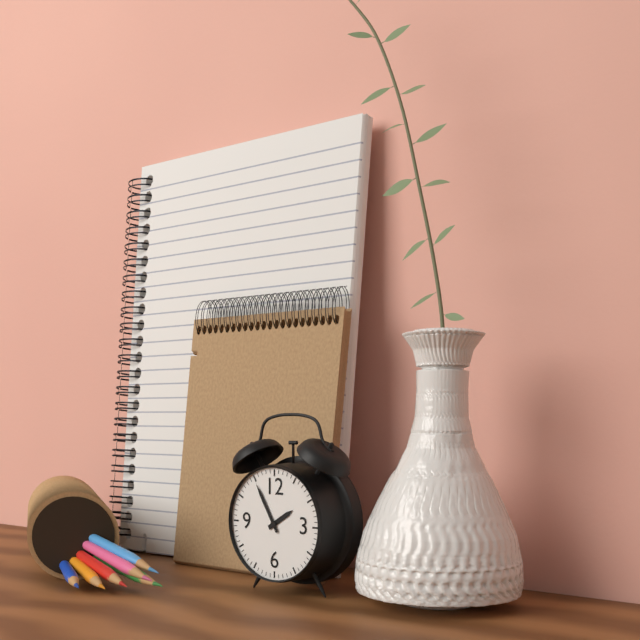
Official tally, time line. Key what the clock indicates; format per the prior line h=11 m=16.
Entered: h=1 m=55
